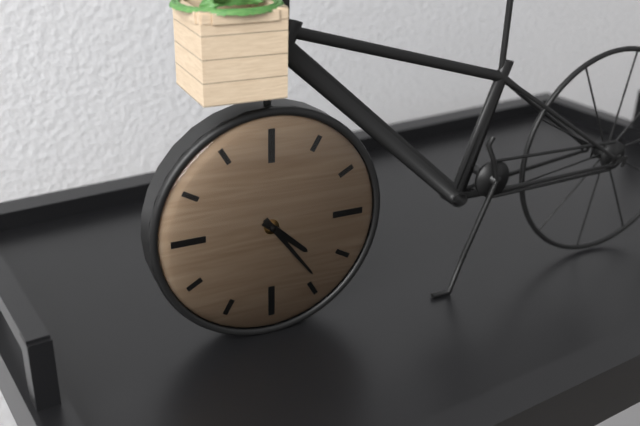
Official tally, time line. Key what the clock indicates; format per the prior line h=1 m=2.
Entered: h=4 m=24
